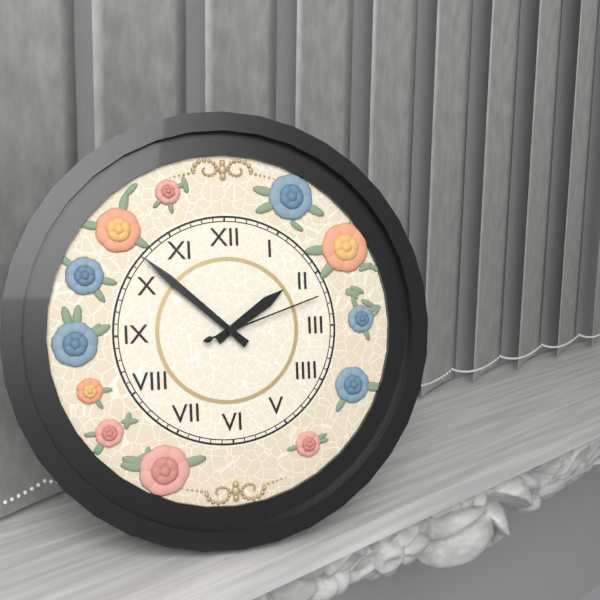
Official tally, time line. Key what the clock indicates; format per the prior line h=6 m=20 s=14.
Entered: h=1 m=52 s=12
